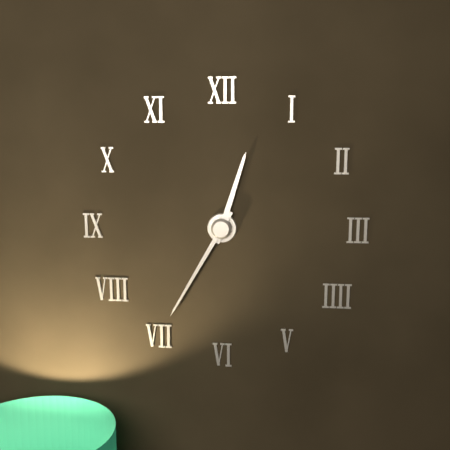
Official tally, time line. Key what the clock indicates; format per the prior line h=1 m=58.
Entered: h=12 m=35
